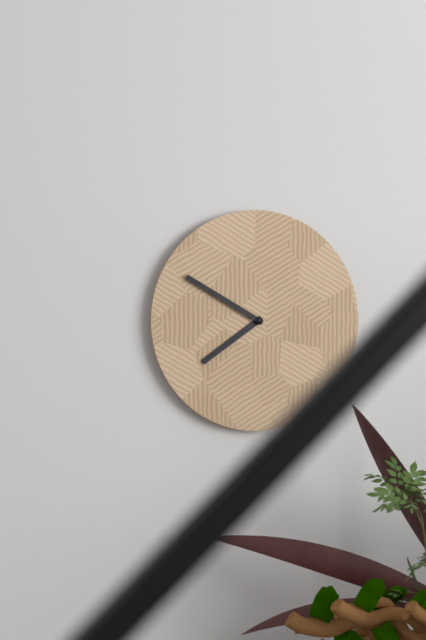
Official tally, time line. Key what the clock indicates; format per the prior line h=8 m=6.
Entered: h=7 m=50
